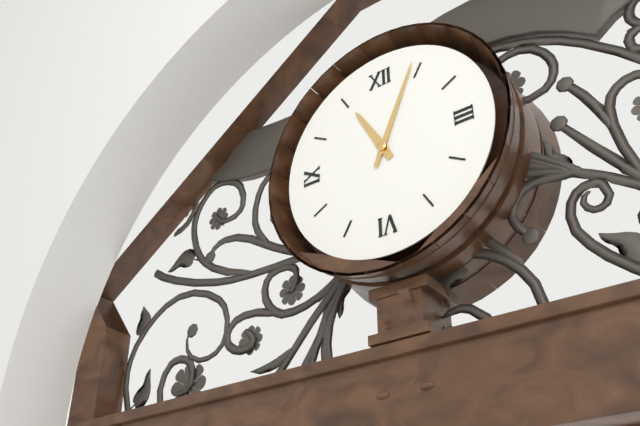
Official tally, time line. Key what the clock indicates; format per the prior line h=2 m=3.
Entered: h=11 m=4
